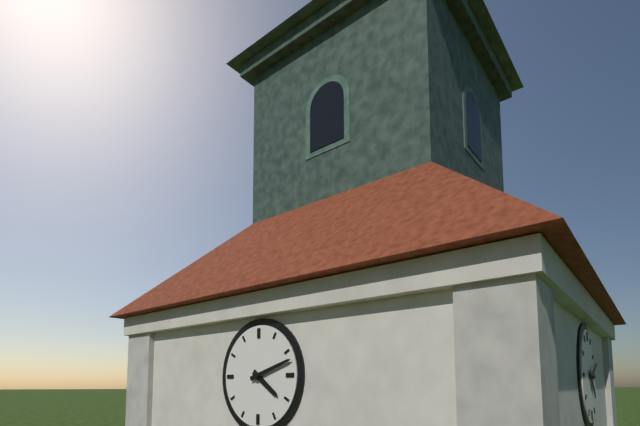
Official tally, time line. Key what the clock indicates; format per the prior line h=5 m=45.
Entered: h=4 m=12
